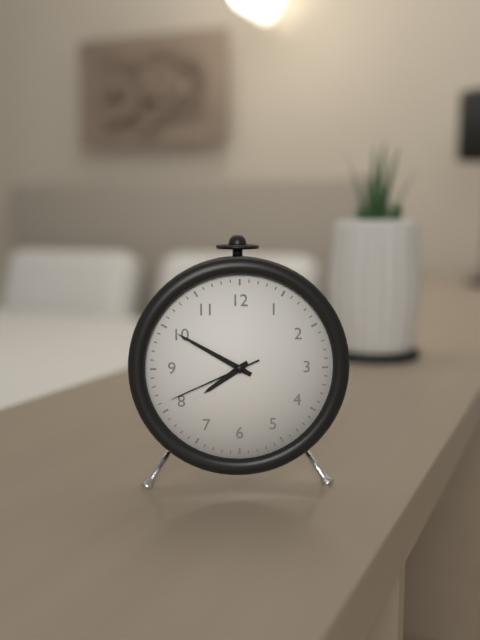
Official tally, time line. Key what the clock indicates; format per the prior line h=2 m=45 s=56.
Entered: h=7 m=50 s=41
